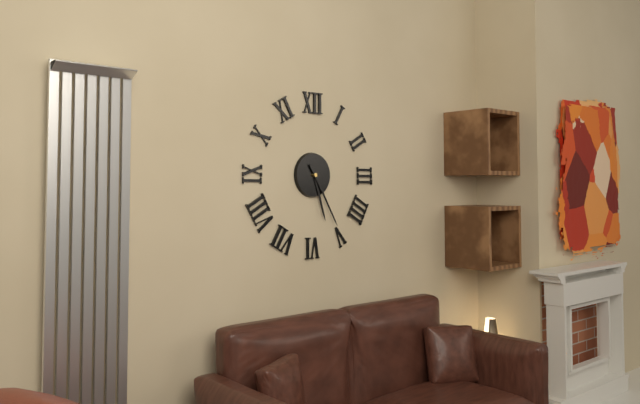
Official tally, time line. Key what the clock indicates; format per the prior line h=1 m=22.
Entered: h=5 m=25
